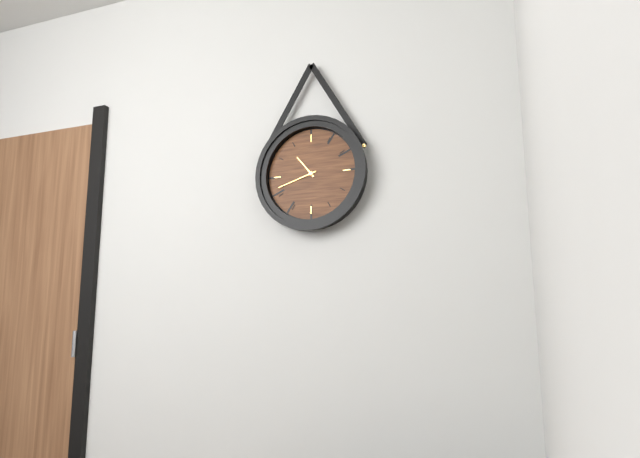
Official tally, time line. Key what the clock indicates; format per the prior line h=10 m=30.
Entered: h=10 m=42
